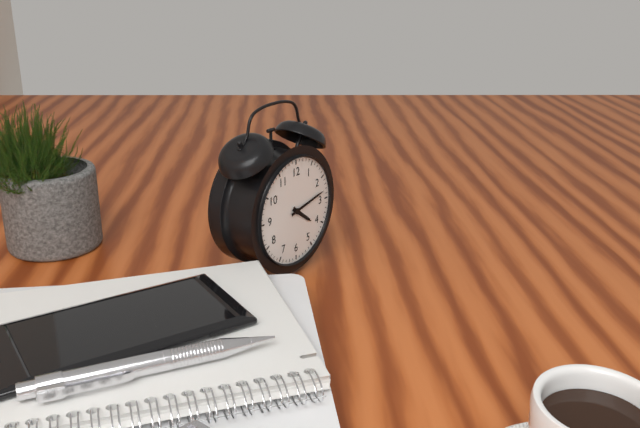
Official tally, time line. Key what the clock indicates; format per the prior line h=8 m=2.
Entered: h=4 m=13
